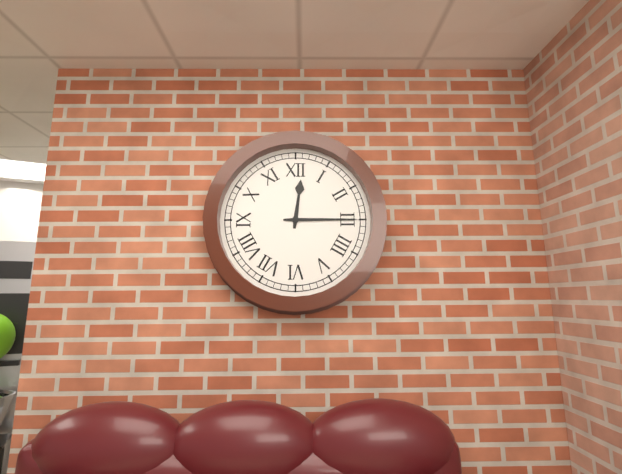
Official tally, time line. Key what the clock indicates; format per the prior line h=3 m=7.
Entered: h=12 m=15
